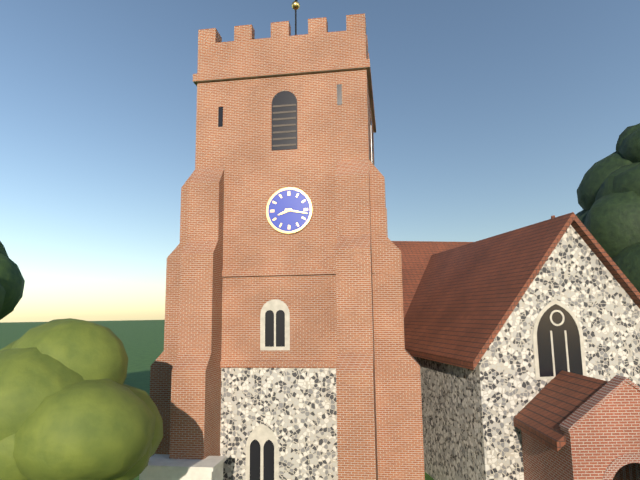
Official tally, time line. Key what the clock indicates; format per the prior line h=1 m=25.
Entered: h=8 m=17
